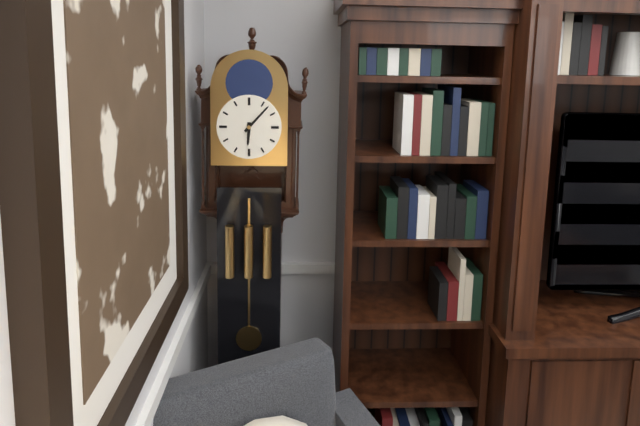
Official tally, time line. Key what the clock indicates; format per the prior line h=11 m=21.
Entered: h=6 m=7
